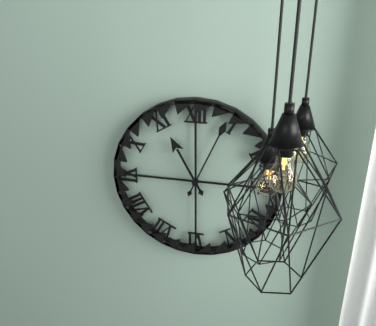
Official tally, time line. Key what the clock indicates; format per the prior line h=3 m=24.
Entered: h=11 m=4
